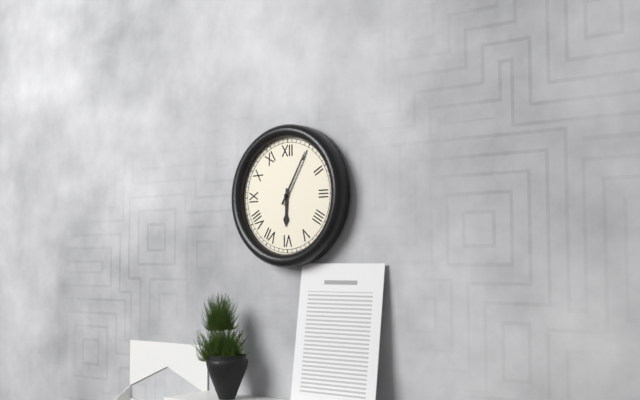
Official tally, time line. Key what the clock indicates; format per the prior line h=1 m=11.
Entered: h=6 m=5
